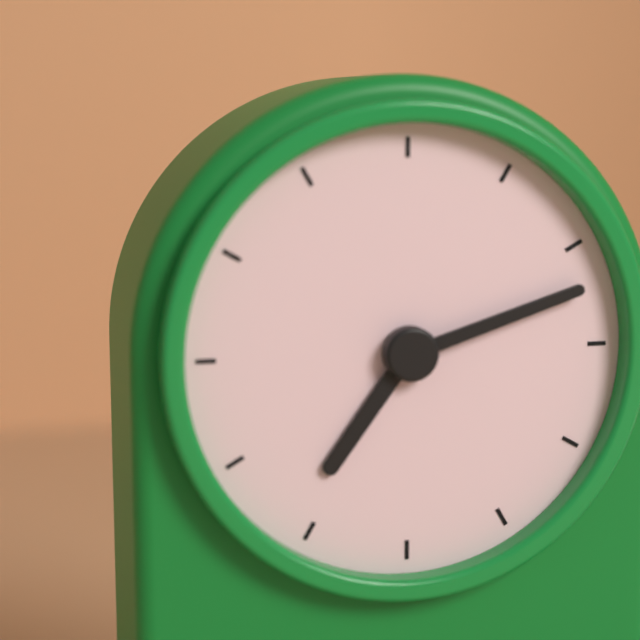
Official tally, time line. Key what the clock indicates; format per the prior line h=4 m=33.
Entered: h=7 m=12
